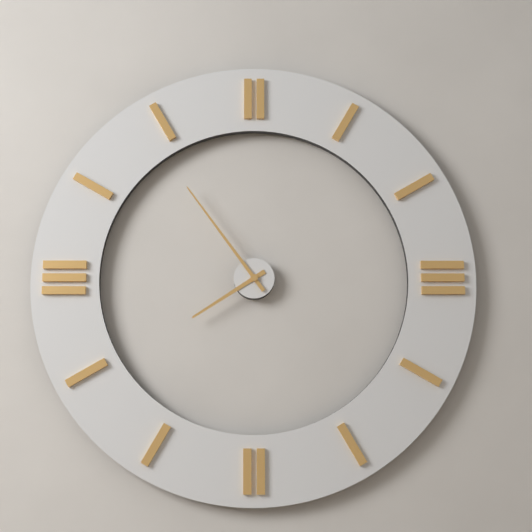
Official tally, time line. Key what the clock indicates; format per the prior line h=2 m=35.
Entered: h=7 m=54
